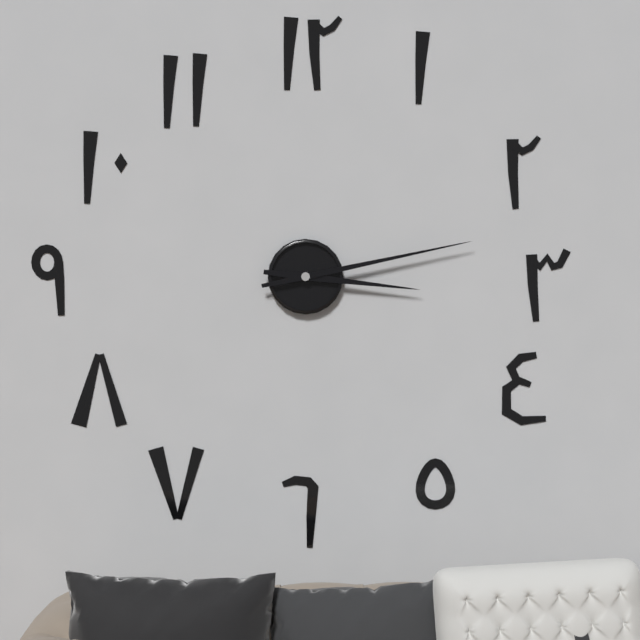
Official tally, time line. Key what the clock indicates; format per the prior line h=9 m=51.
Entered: h=3 m=13
